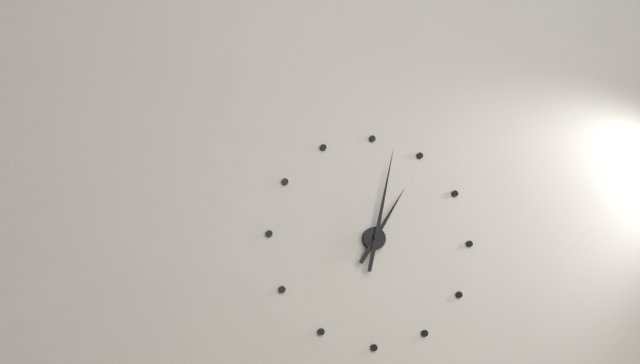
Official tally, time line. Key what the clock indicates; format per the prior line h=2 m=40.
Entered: h=1 m=2
